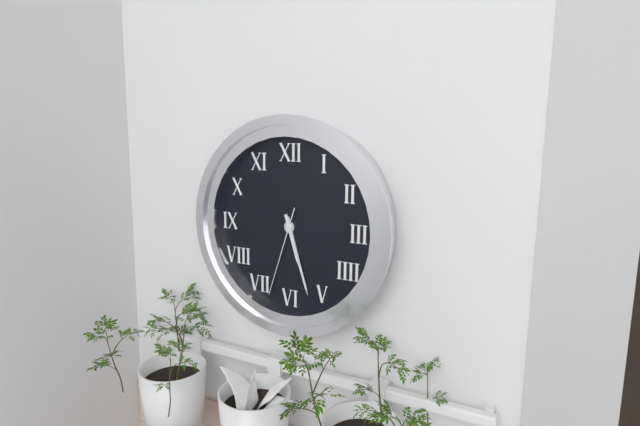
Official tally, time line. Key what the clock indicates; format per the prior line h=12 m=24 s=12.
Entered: h=5 m=27 s=33
